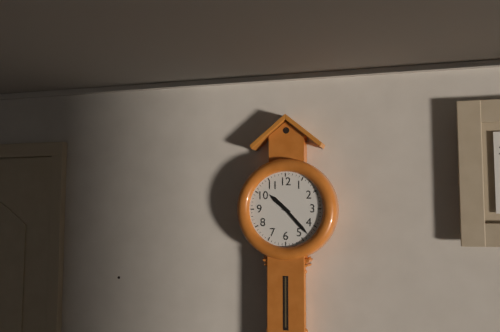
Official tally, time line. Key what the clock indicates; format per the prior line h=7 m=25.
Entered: h=10 m=23
